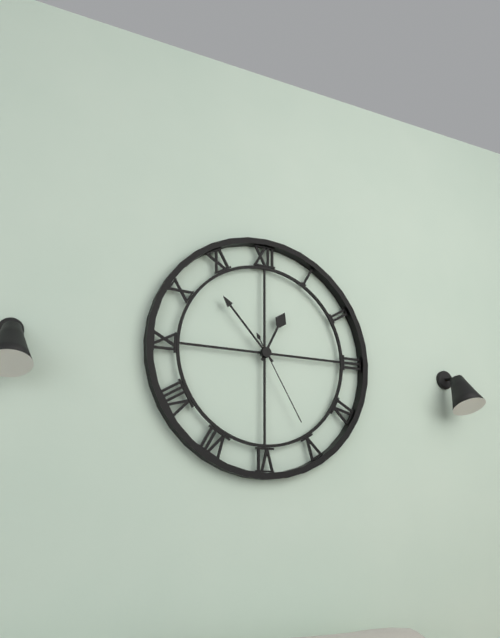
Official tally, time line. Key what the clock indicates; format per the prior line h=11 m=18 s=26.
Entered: h=12 m=53 s=25
